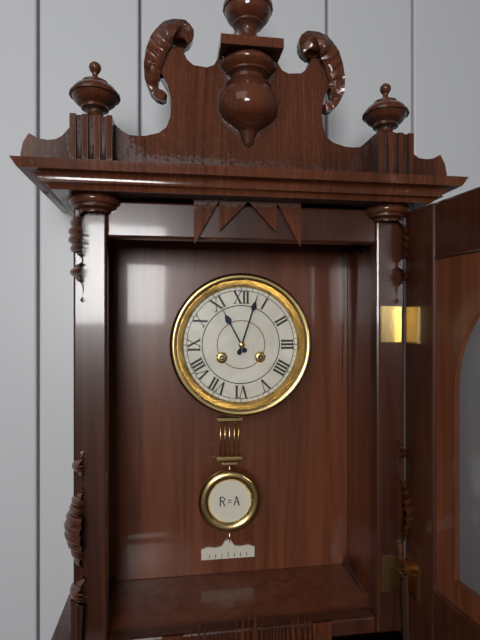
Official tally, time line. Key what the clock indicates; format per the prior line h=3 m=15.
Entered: h=11 m=3
